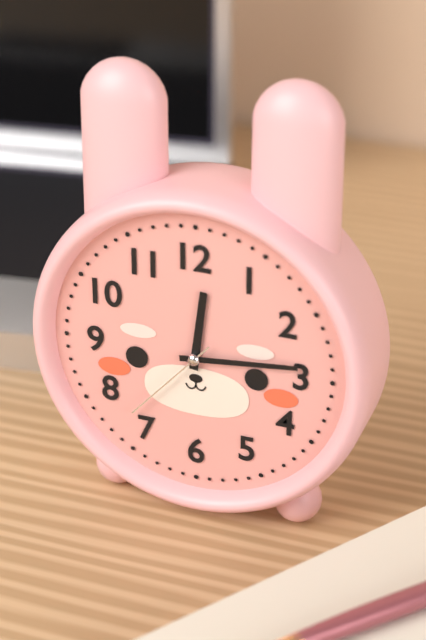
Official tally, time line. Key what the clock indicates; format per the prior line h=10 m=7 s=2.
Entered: h=12 m=14 s=37
